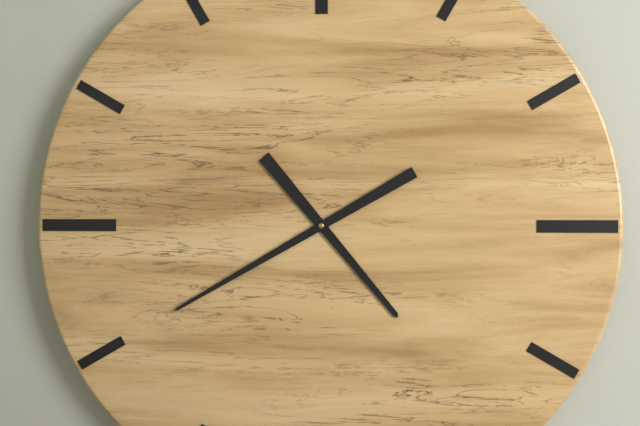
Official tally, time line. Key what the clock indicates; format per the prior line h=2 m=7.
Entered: h=4 m=40
